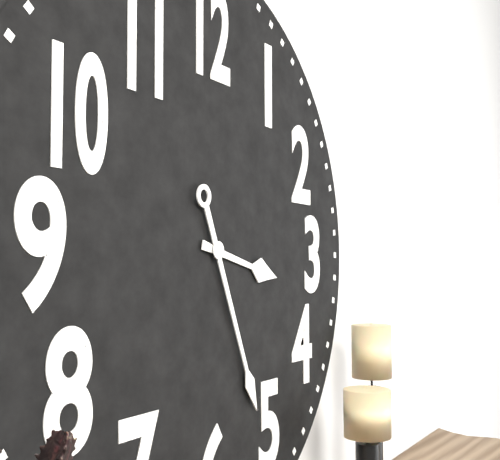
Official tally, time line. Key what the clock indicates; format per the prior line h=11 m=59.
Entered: h=3 m=26
